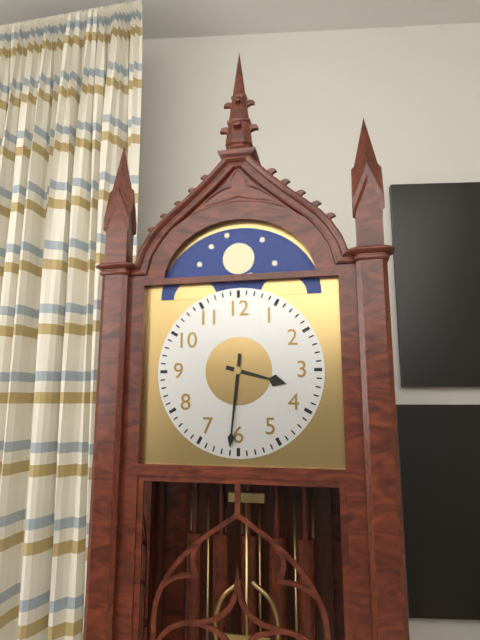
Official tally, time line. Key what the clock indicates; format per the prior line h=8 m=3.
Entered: h=3 m=31
